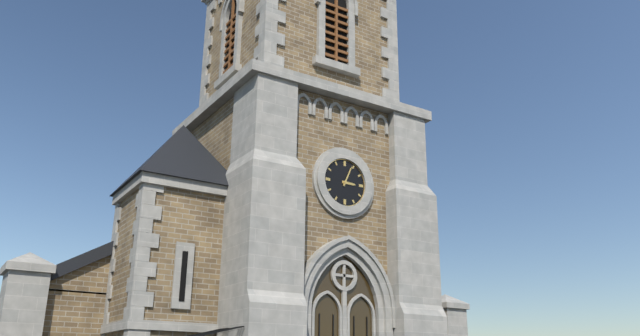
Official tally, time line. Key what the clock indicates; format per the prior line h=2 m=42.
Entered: h=3 m=4
